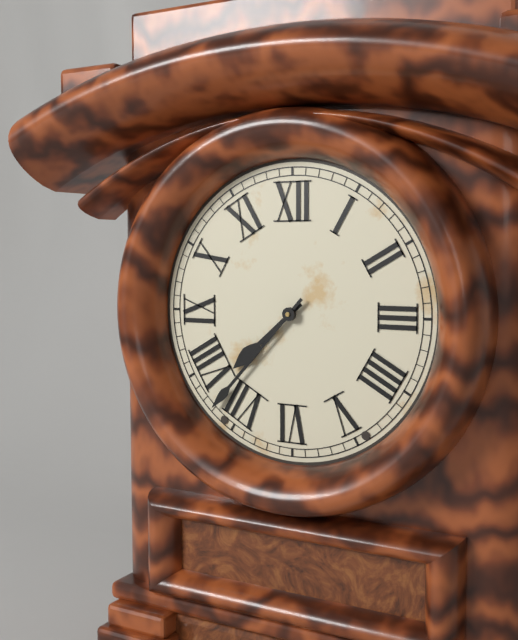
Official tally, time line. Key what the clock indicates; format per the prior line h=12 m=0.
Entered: h=7 m=37
